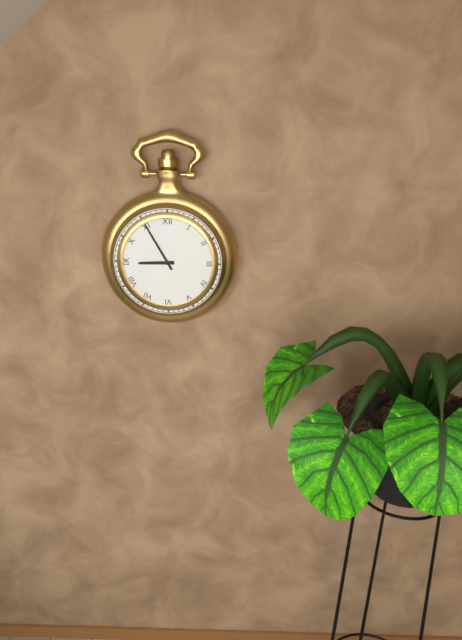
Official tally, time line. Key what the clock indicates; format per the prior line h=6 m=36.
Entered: h=8 m=55
